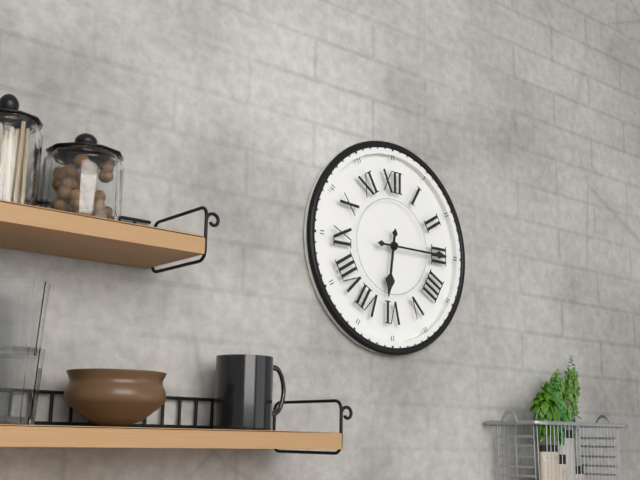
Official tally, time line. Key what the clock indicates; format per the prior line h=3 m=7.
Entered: h=6 m=15
